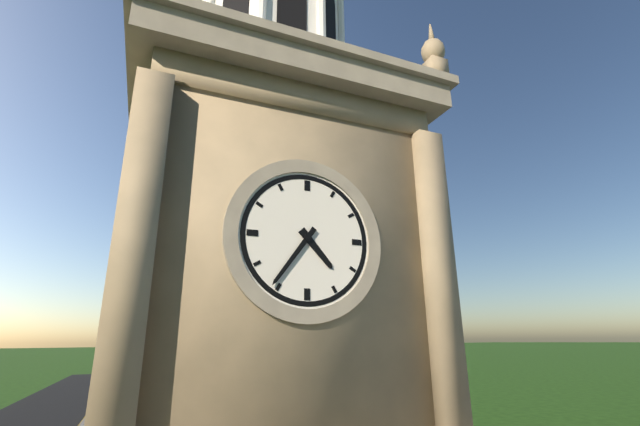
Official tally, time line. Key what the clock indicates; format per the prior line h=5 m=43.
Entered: h=4 m=36
